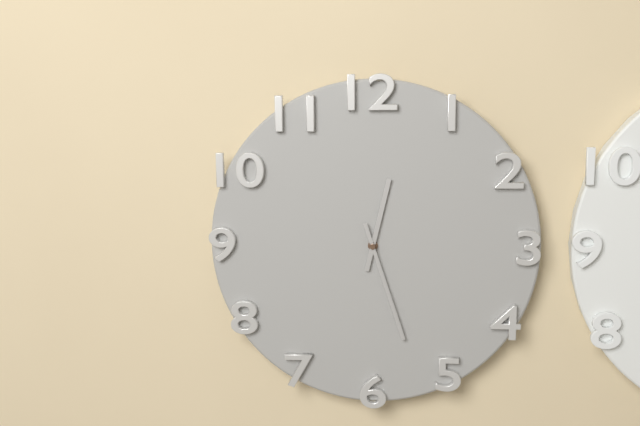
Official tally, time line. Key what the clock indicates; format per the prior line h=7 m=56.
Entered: h=12 m=27
